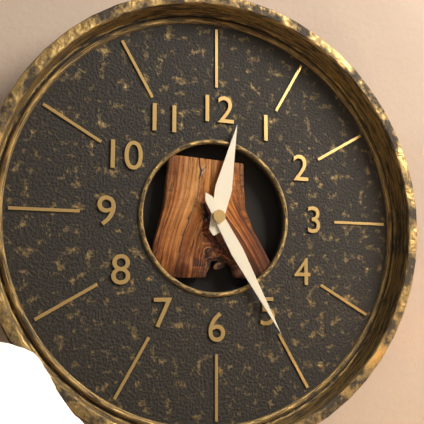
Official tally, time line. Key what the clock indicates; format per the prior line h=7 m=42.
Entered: h=12 m=25
